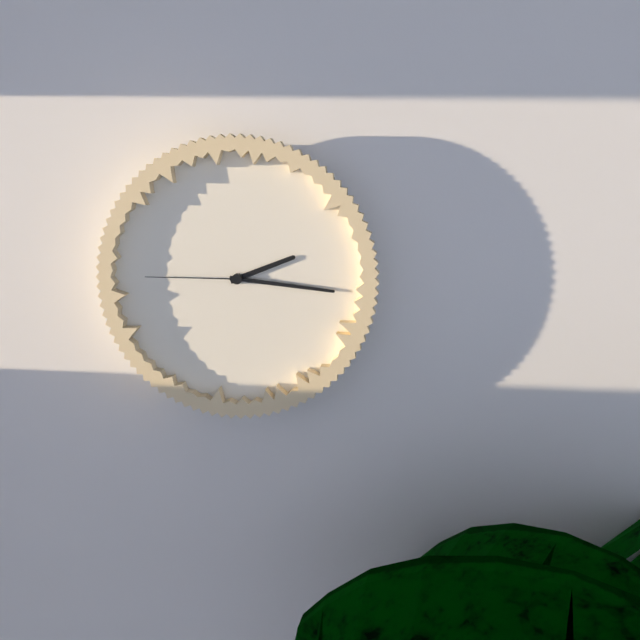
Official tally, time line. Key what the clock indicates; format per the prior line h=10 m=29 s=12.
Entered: h=2 m=16 s=45
